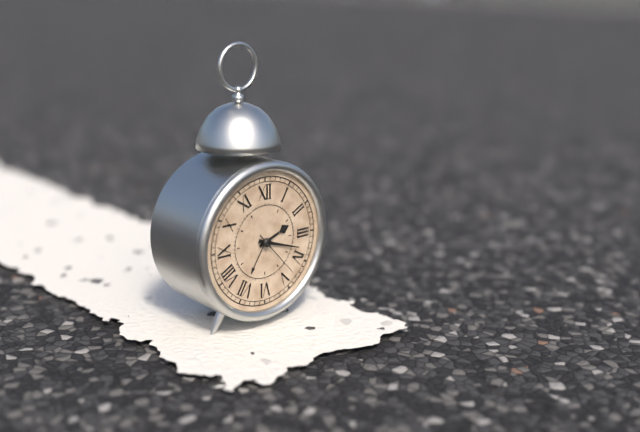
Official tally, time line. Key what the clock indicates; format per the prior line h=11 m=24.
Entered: h=2 m=18
